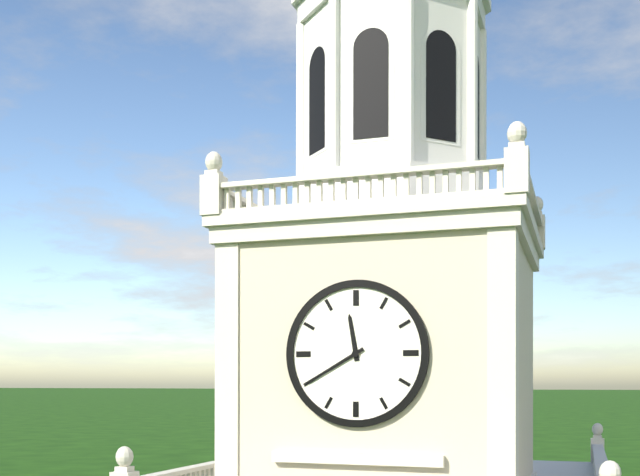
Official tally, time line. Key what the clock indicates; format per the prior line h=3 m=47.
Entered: h=11 m=40
